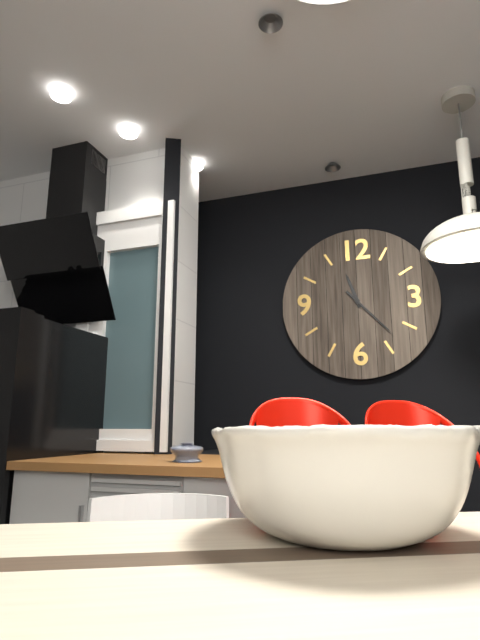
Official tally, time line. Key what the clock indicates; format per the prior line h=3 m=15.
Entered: h=11 m=23
